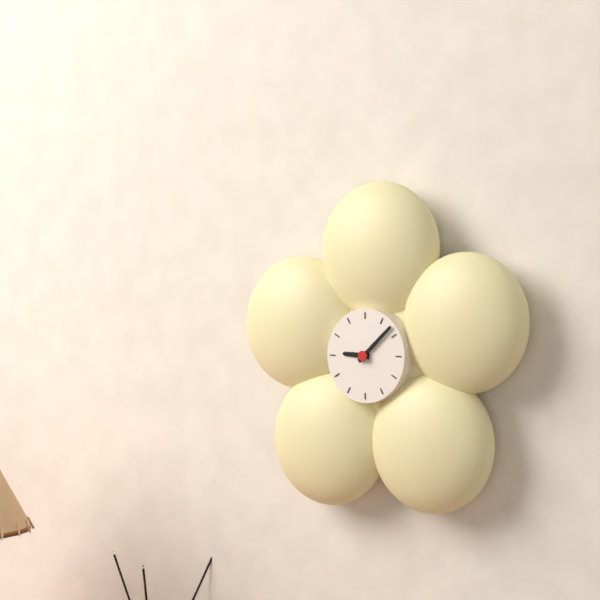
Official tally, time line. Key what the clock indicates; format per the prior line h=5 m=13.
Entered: h=9 m=8
